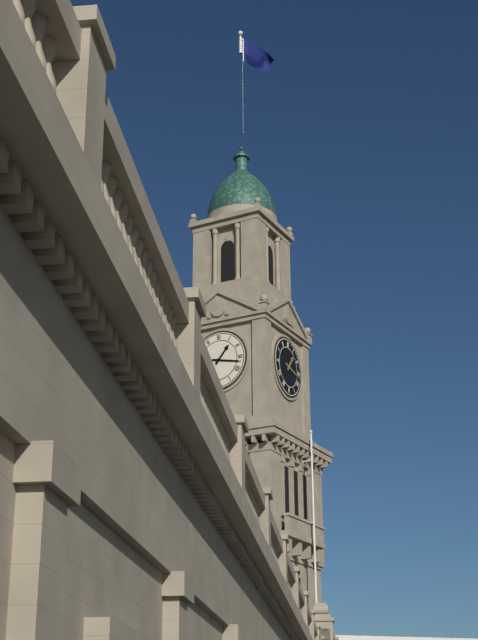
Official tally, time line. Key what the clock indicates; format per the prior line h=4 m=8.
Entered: h=1 m=17
